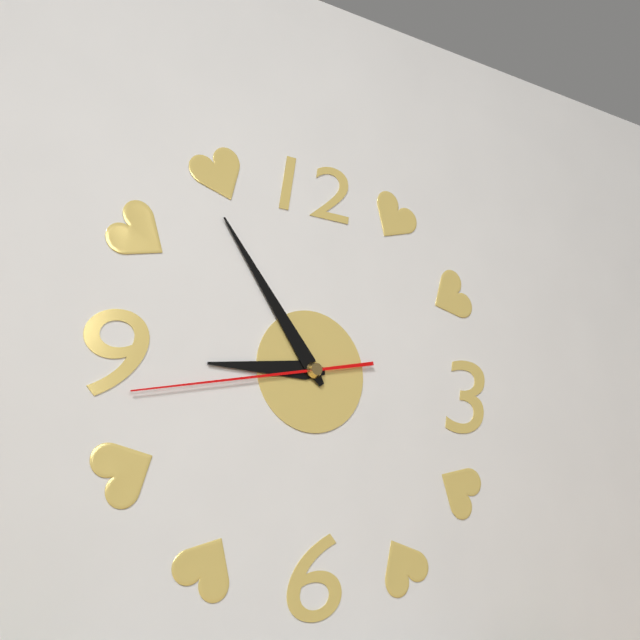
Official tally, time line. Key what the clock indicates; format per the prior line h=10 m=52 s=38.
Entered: h=8 m=54 s=43
